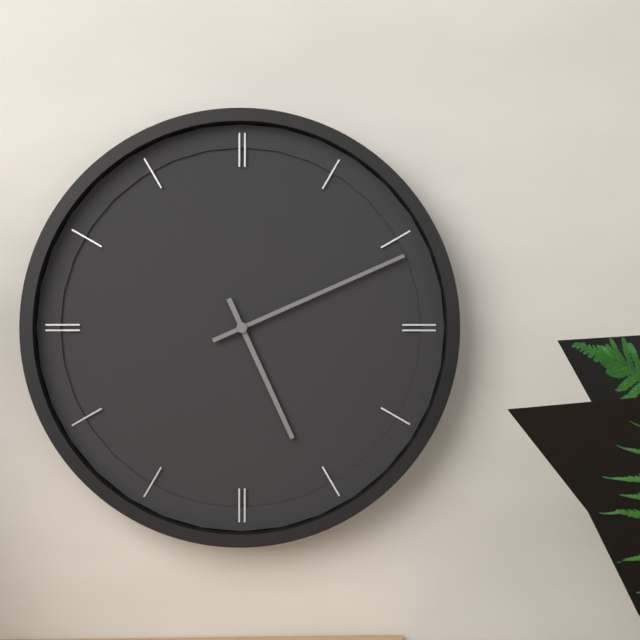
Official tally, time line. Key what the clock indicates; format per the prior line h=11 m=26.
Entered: h=5 m=11
